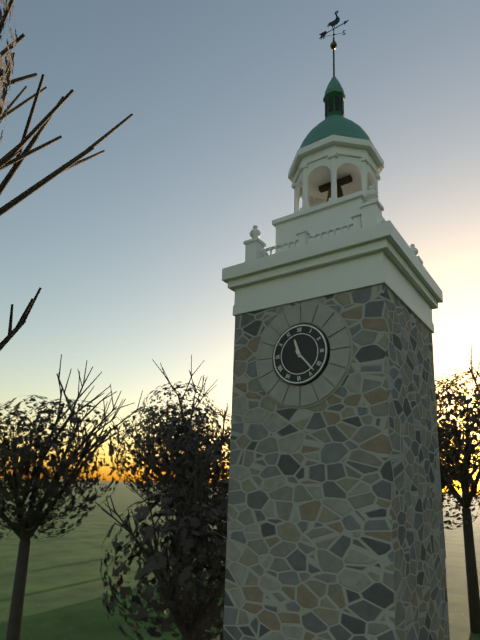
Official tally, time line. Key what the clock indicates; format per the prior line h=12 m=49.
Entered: h=11 m=23
